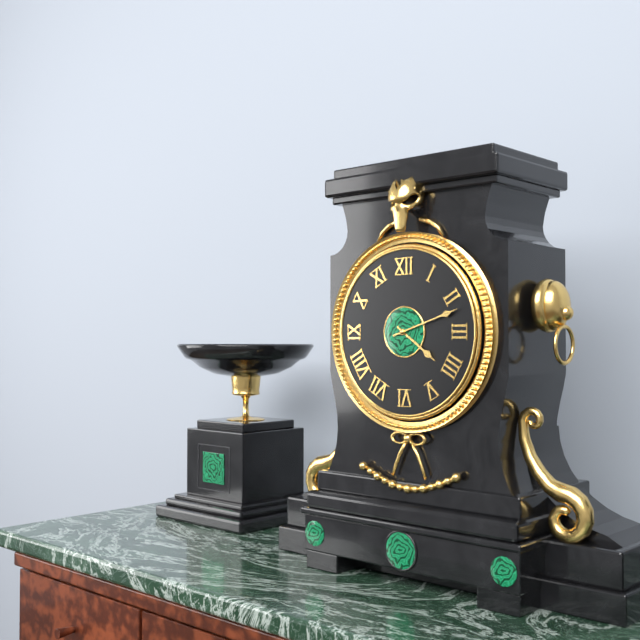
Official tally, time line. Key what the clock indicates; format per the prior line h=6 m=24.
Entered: h=4 m=12
